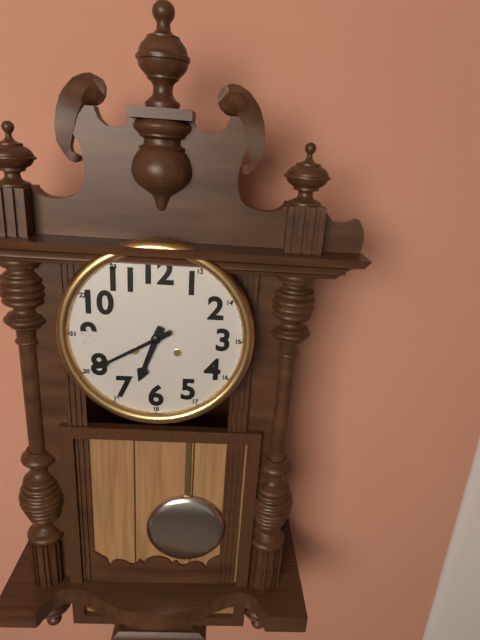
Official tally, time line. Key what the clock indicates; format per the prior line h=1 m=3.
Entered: h=6 m=40
